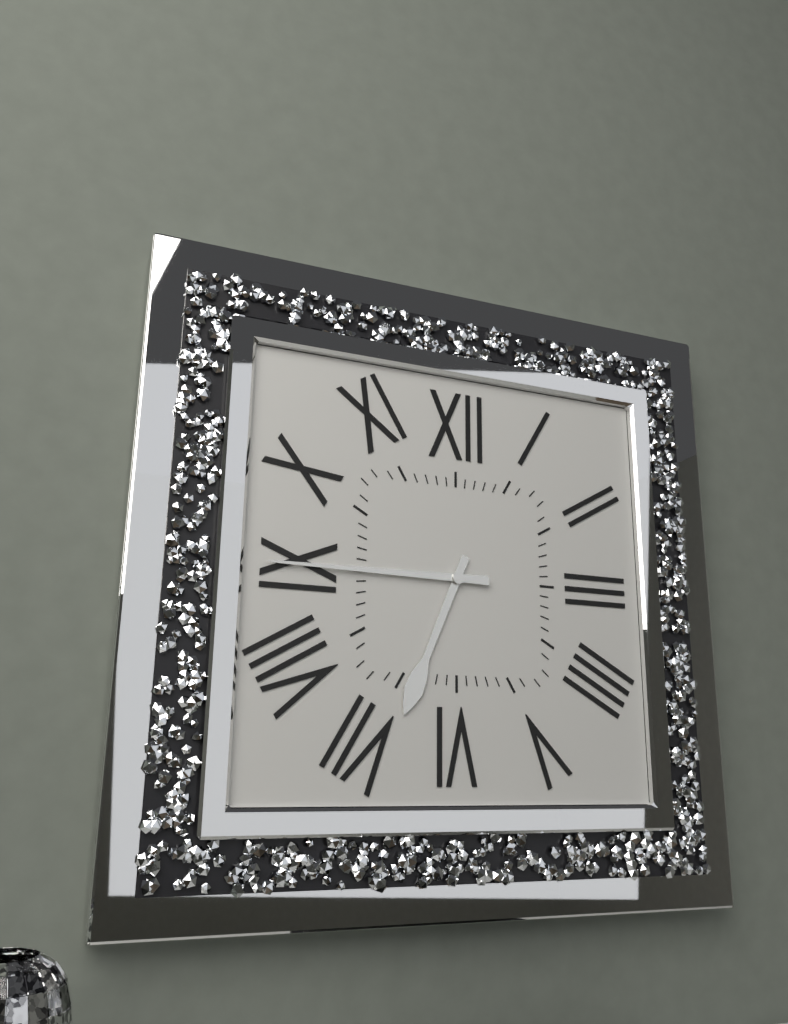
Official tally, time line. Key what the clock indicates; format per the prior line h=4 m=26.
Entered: h=6 m=45
